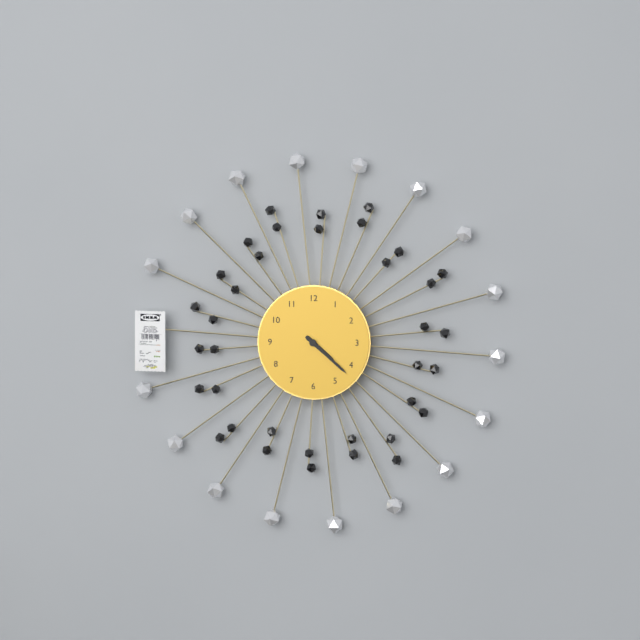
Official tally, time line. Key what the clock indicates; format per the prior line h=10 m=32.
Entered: h=4 m=22
